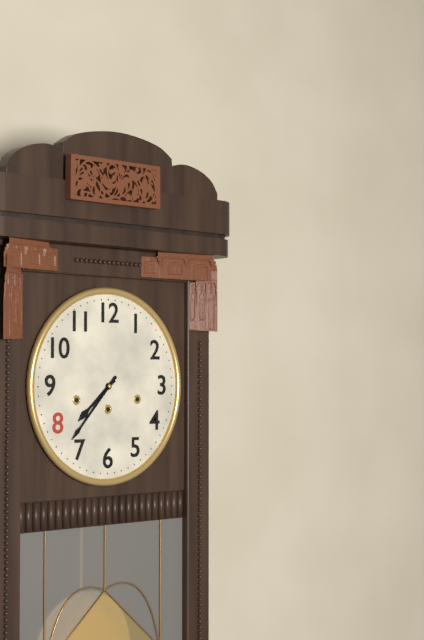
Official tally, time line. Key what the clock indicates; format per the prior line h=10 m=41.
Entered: h=7 m=37
